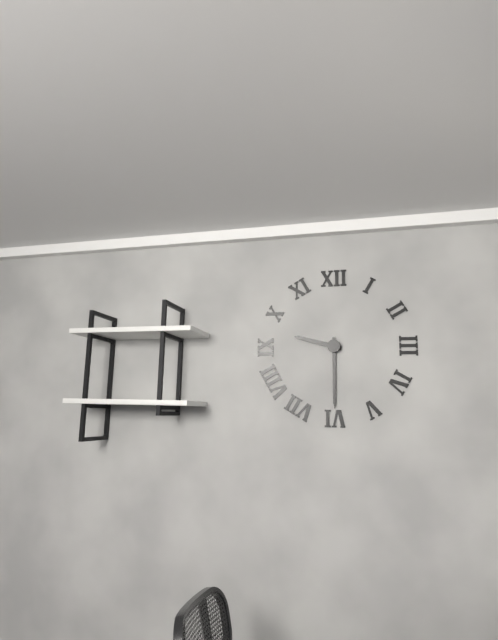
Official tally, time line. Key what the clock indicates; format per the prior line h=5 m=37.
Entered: h=9 m=30
